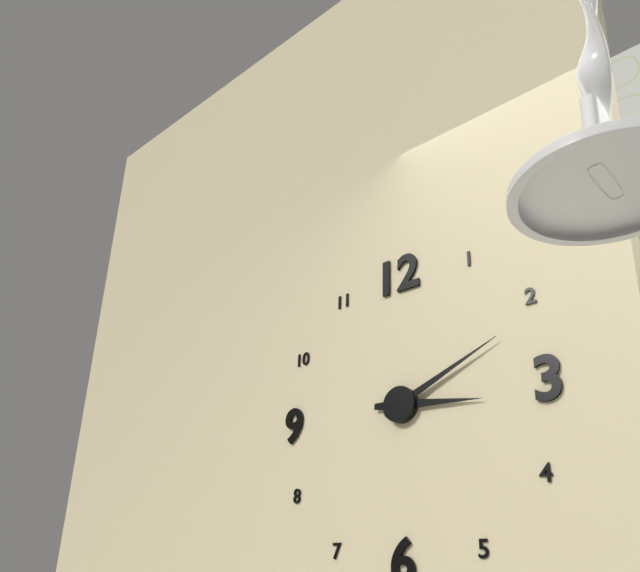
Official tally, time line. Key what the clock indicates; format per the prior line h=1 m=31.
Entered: h=3 m=11
